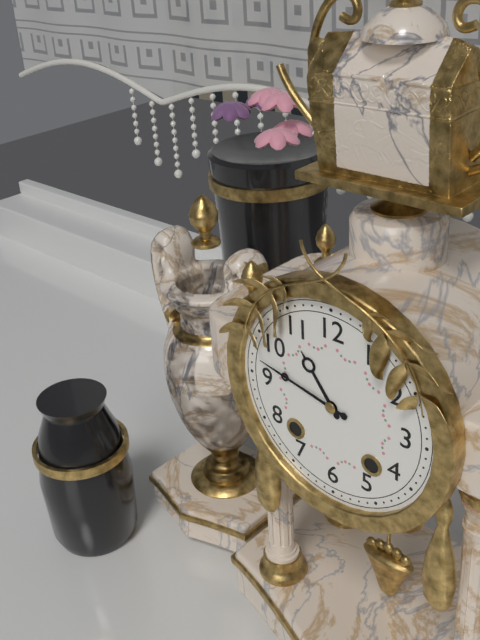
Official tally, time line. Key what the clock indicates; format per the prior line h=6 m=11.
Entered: h=10 m=47
